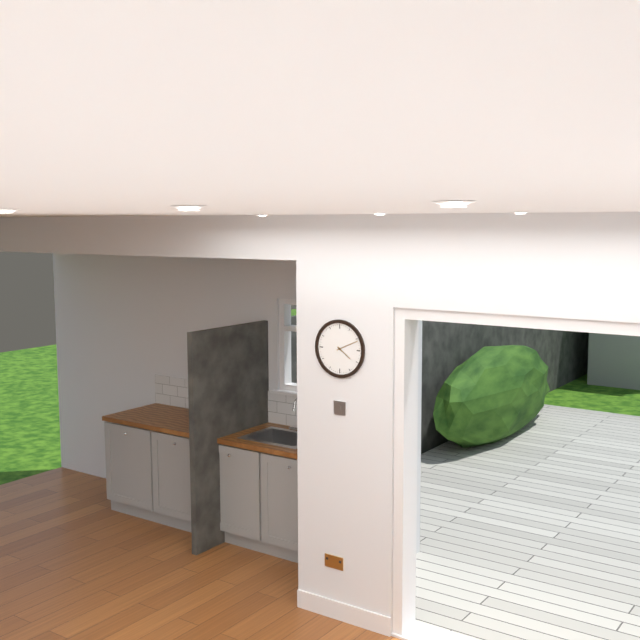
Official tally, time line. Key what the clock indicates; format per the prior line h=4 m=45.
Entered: h=4 m=11
